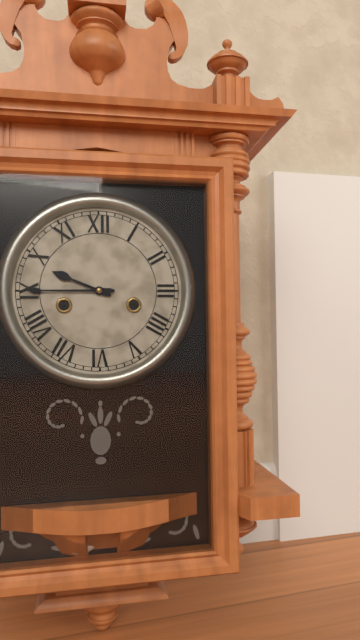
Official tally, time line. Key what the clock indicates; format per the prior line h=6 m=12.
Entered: h=9 m=45
